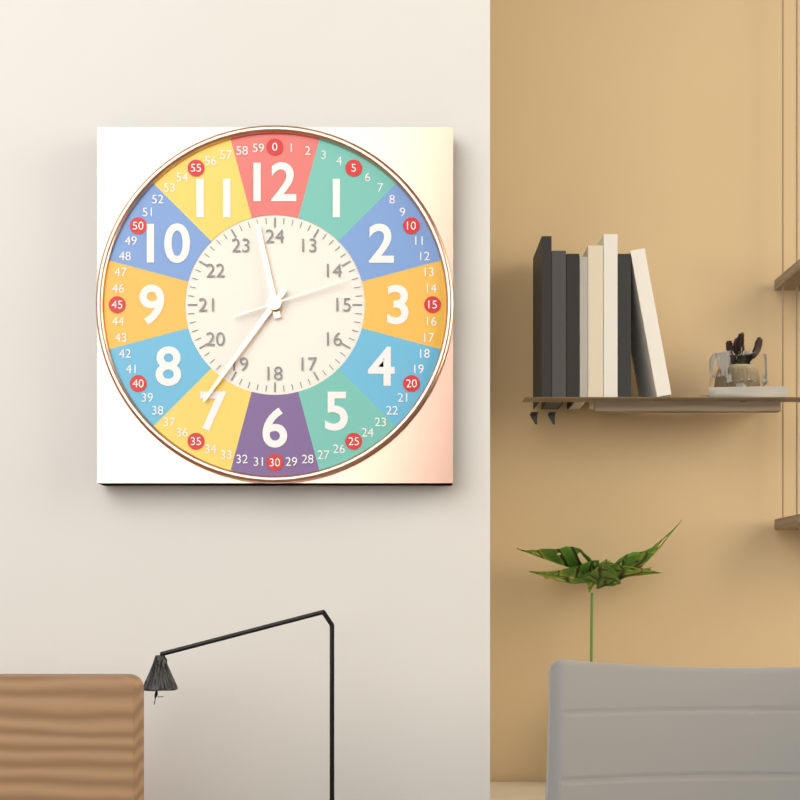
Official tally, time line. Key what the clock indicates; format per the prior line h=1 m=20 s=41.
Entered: h=11 m=36 s=12
